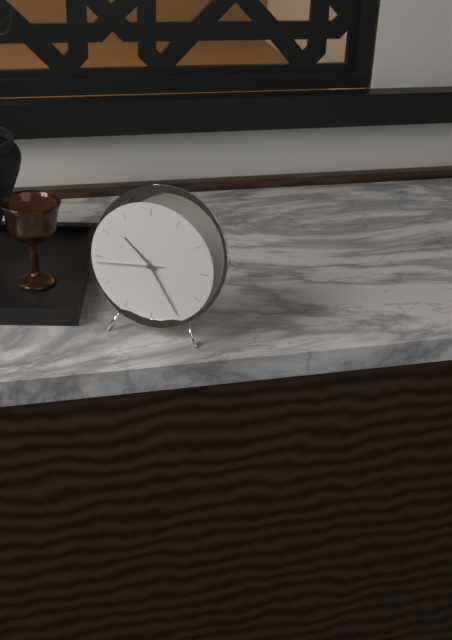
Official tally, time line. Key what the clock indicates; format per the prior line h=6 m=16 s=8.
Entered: h=10 m=25 s=44
